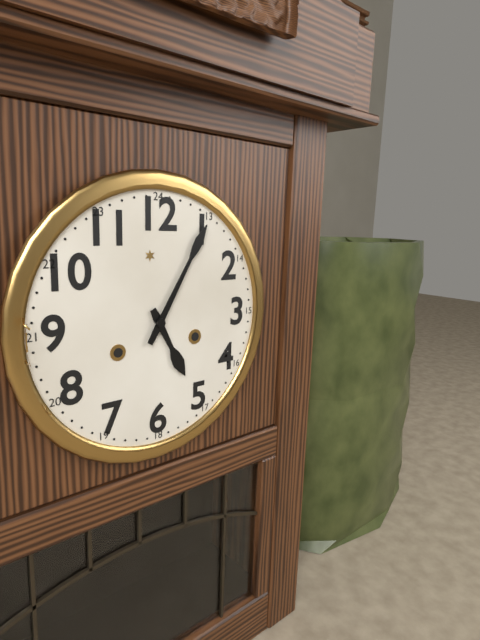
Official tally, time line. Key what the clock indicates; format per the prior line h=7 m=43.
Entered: h=5 m=5
